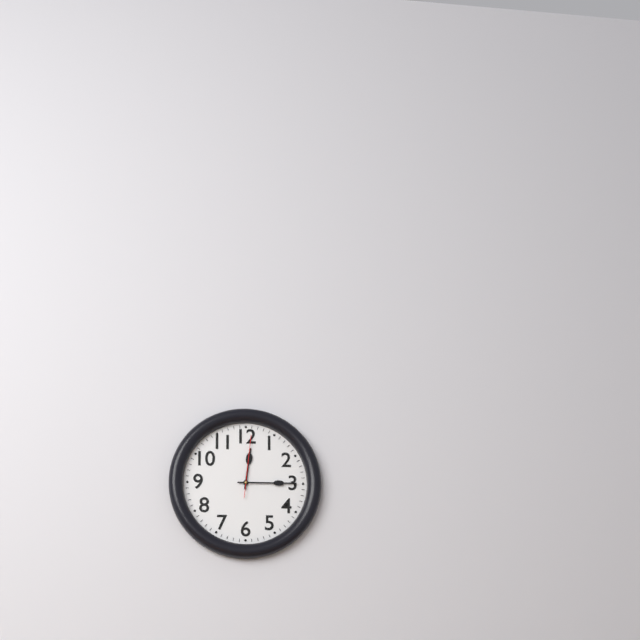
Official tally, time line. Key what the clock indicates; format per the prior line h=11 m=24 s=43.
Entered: h=12 m=15 s=1
